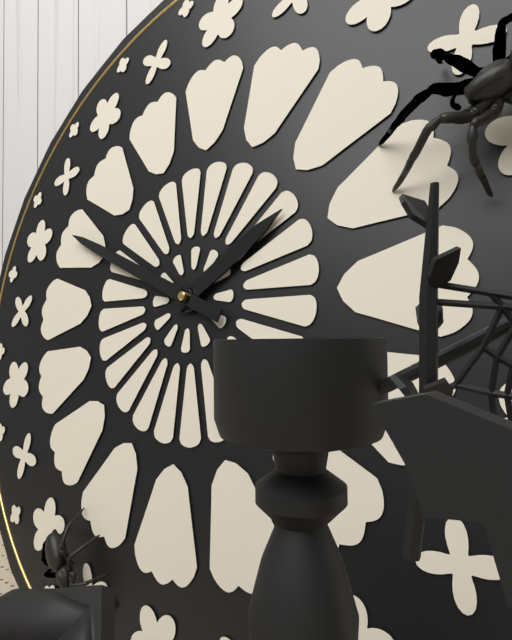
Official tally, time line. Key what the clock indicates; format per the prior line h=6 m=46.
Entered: h=1 m=49
